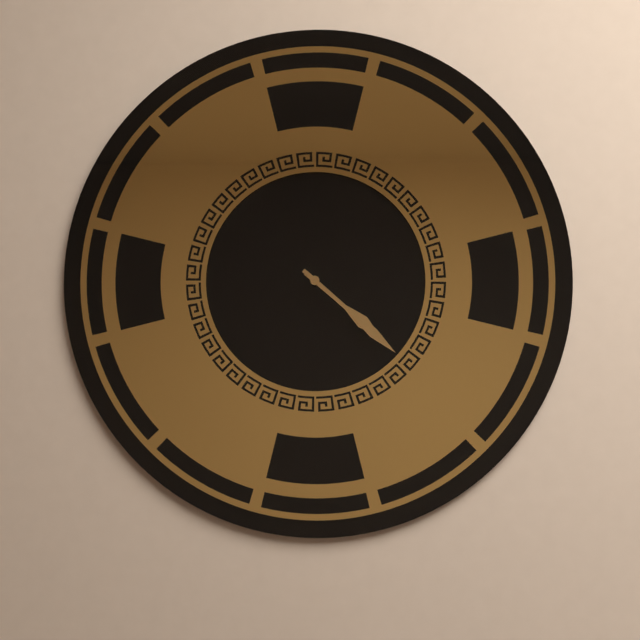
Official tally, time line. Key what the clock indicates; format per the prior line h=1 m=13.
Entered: h=4 m=22
